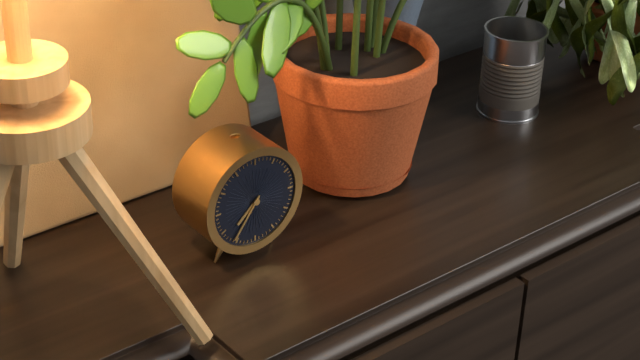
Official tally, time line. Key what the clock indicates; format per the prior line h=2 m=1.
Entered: h=7 m=36
